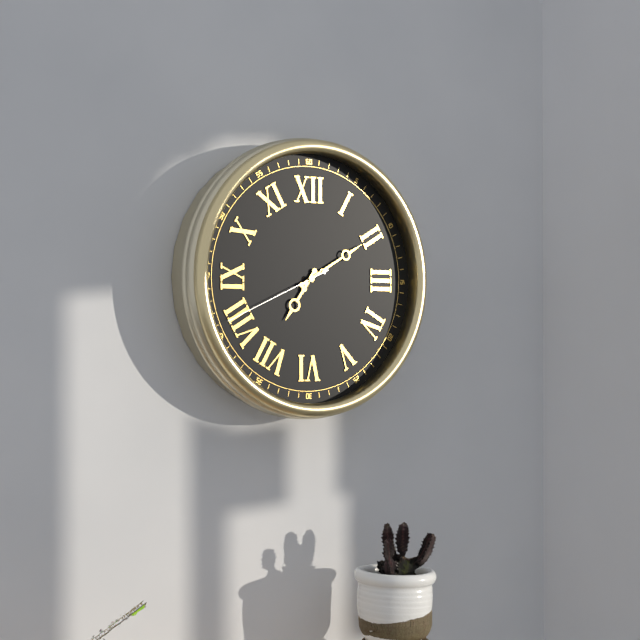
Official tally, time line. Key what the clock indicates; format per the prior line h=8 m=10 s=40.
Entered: h=7 m=10 s=41
